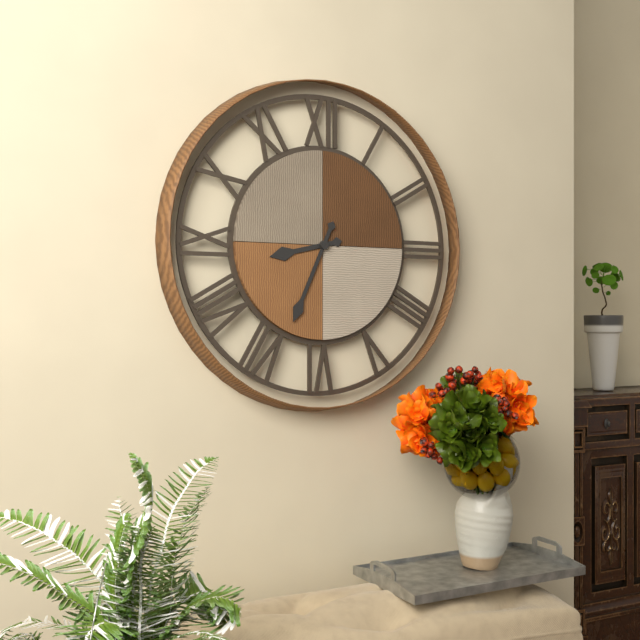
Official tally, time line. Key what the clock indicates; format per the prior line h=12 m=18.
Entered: h=8 m=34
